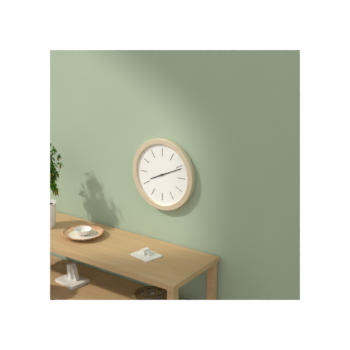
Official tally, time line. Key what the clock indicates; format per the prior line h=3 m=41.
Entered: h=8 m=11
